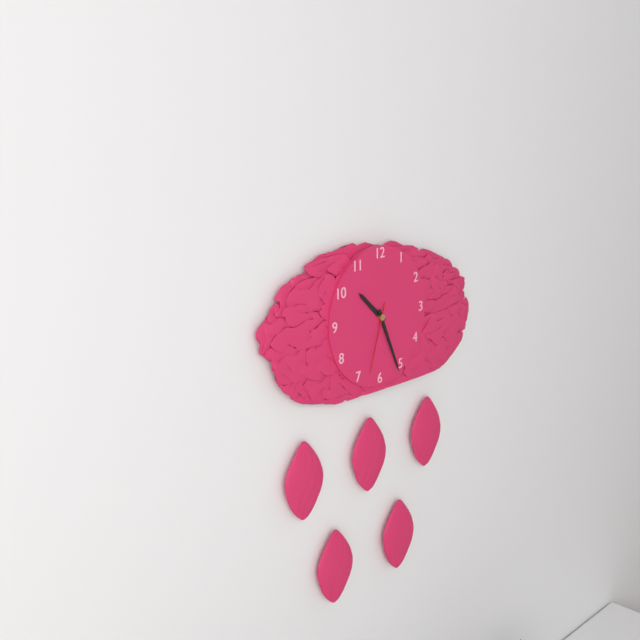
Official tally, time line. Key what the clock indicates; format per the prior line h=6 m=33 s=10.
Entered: h=10 m=26 s=33
